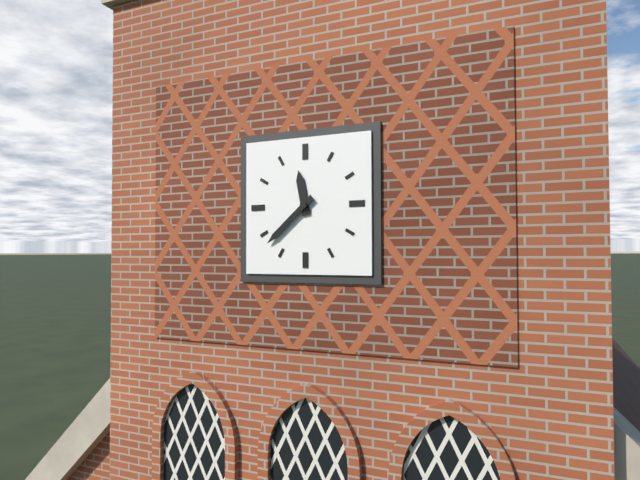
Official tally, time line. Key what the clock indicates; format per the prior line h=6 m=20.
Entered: h=11 m=38
